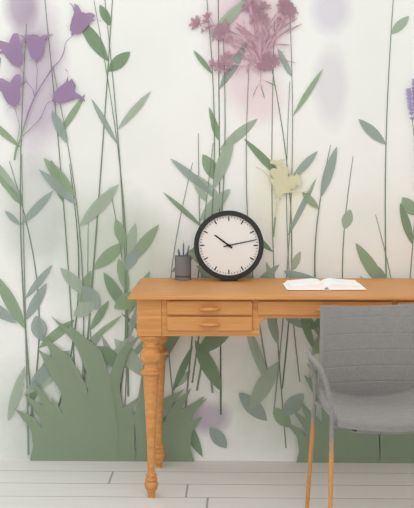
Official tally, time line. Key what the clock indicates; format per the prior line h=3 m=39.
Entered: h=10 m=13
